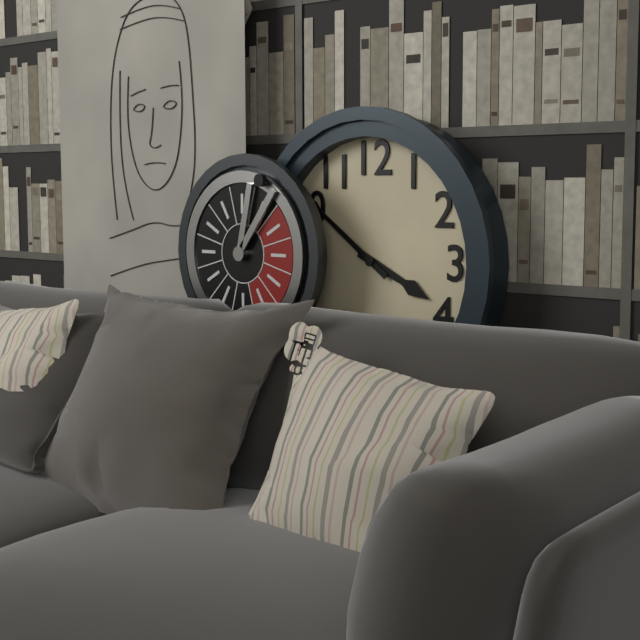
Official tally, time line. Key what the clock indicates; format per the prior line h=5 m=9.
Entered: h=3 m=51
